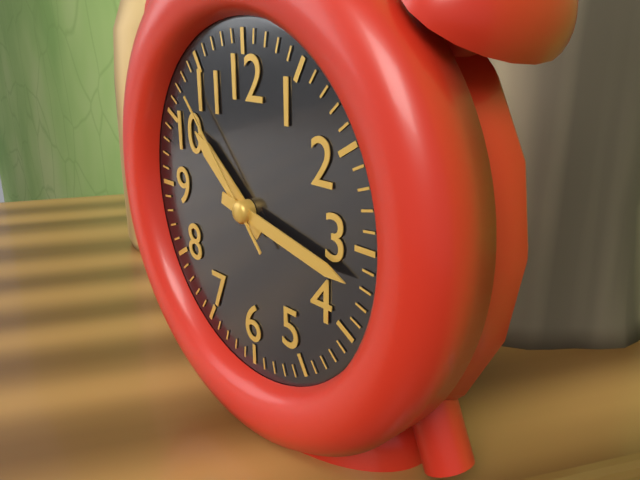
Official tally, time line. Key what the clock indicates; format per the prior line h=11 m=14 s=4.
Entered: h=10 m=17 s=53
